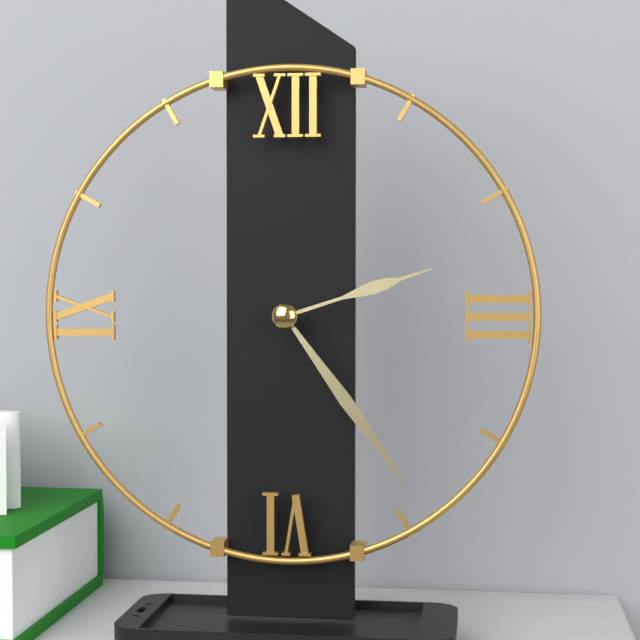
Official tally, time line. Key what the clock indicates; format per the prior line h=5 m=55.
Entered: h=2 m=24
